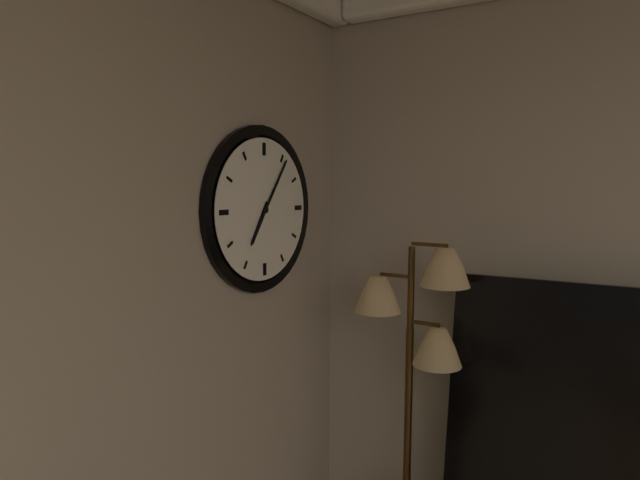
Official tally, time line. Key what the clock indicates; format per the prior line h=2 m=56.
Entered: h=7 m=6
